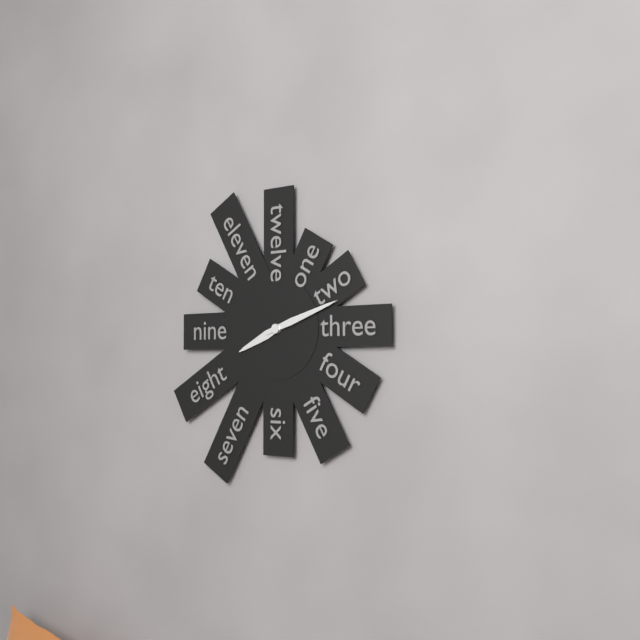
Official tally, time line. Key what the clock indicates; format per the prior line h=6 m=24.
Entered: h=8 m=12
